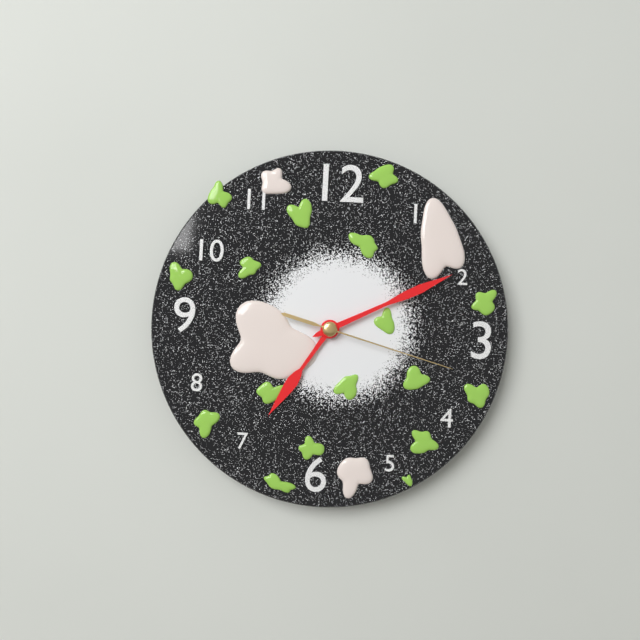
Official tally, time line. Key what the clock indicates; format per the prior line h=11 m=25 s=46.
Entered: h=7 m=11 s=18
